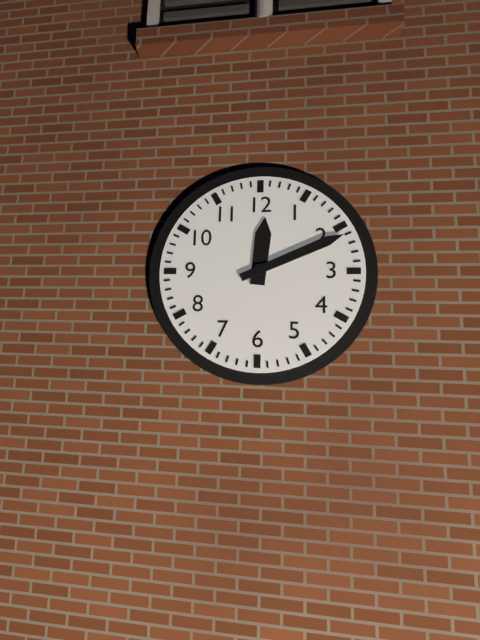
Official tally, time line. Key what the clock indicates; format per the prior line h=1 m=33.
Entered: h=12 m=11
